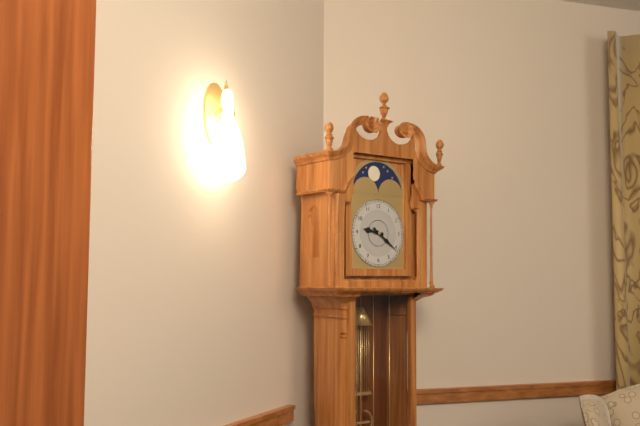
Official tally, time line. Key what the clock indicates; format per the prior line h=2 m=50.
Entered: h=9 m=21
